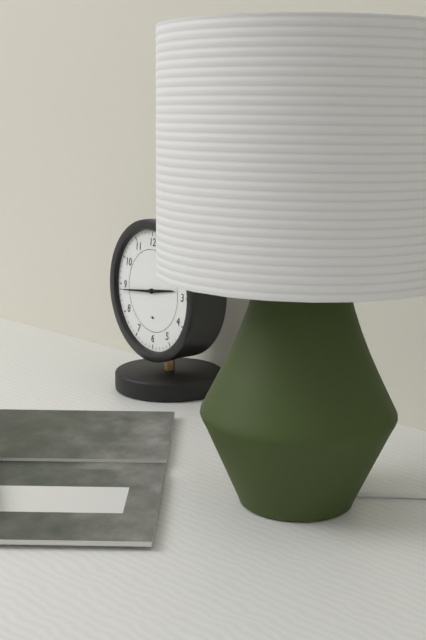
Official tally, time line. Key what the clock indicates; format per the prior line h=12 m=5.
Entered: h=2 m=44
